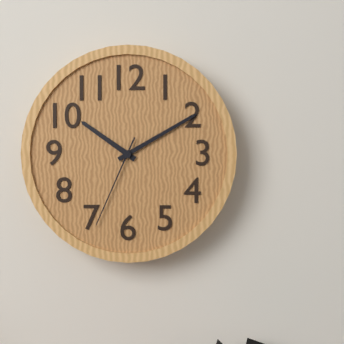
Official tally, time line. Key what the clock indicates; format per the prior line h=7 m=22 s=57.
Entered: h=10 m=10 s=34
